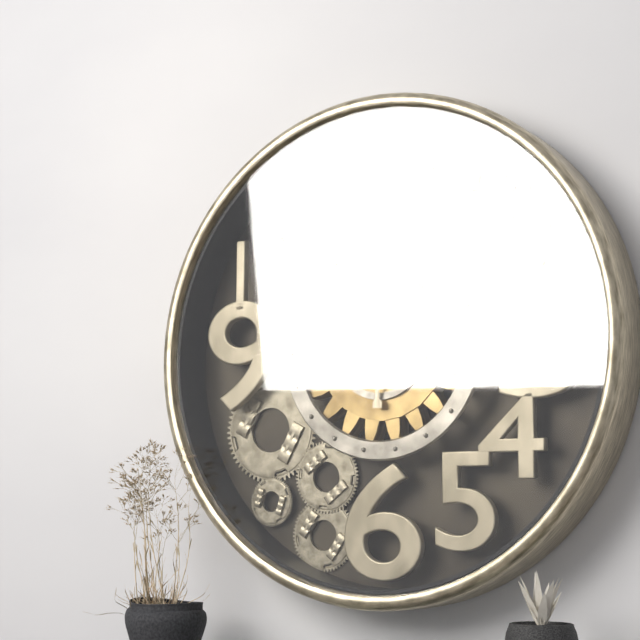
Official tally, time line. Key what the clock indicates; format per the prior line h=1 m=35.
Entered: h=12 m=0
